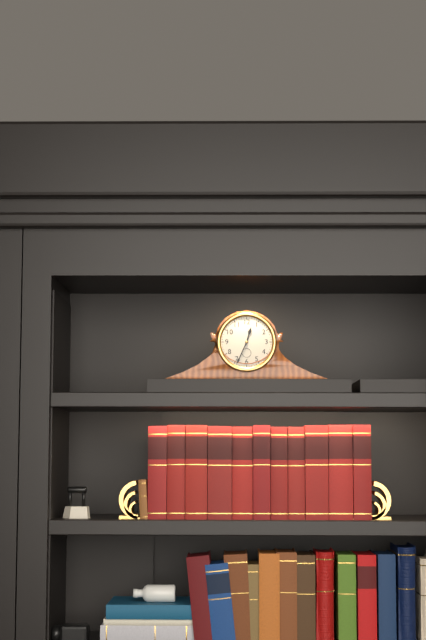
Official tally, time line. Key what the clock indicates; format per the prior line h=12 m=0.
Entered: h=12 m=34
